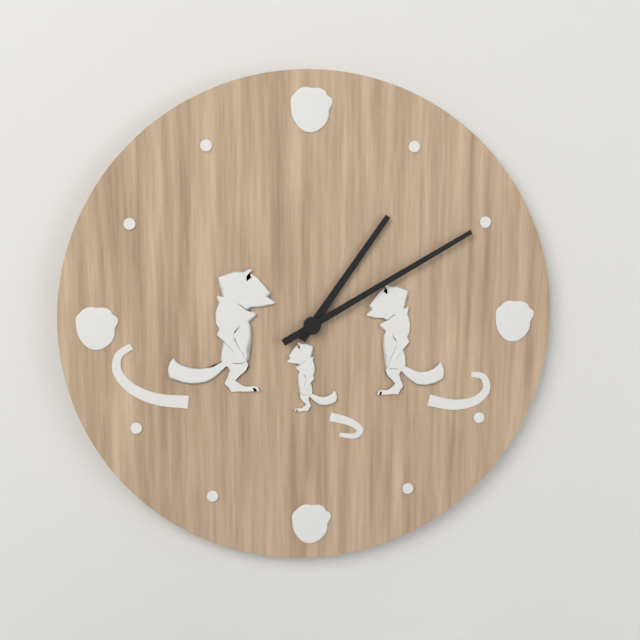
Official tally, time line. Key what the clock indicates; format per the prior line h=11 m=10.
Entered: h=1 m=10
